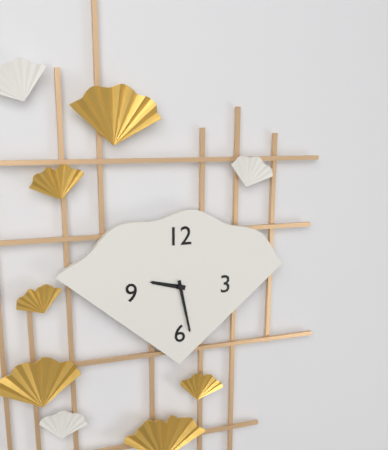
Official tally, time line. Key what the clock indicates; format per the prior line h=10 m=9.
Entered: h=9 m=28
